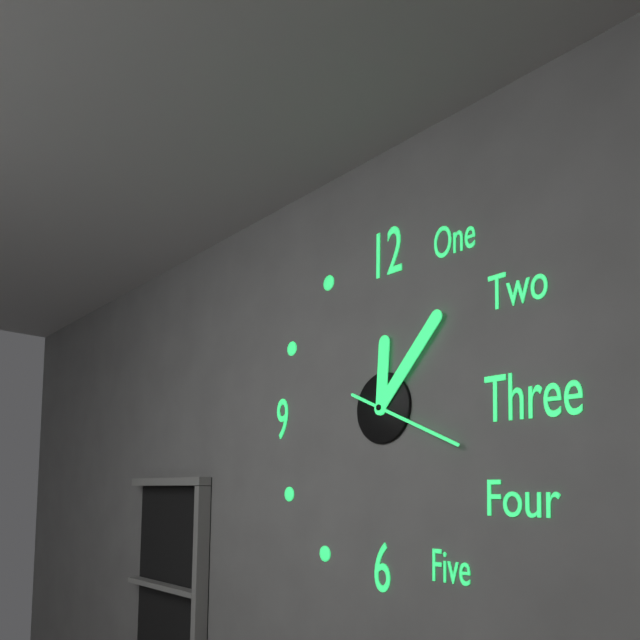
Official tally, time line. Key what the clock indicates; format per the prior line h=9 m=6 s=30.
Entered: h=12 m=7 s=19
